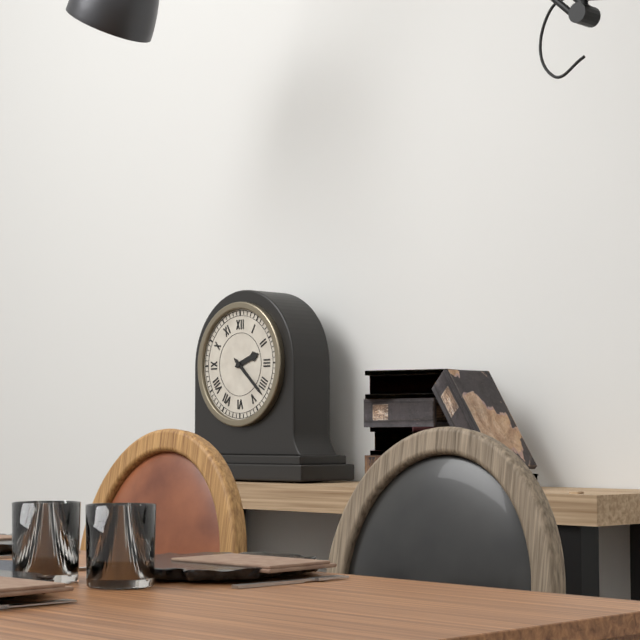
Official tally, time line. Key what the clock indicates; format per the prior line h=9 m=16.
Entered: h=2 m=22
